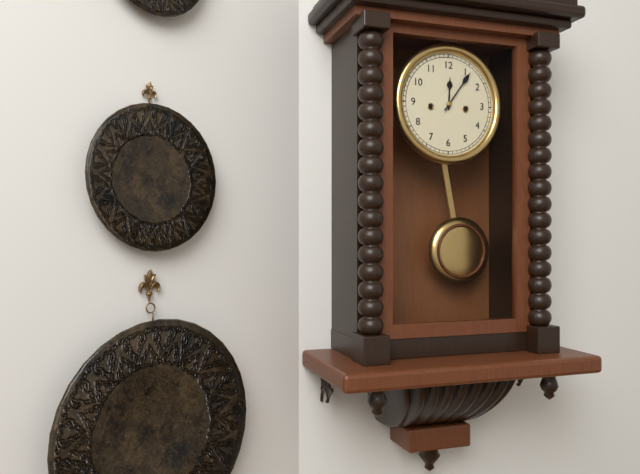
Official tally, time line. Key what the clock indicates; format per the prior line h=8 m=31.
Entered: h=12 m=6
